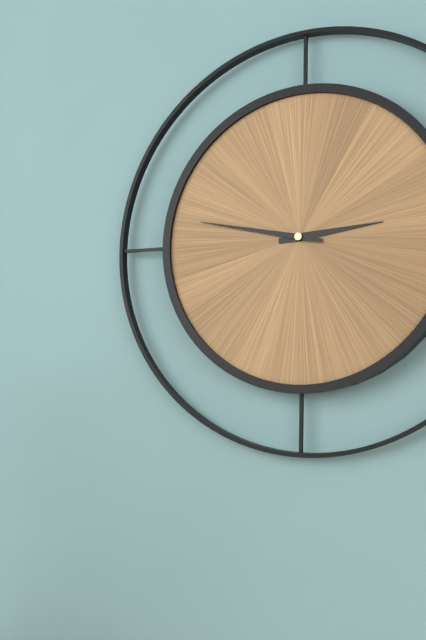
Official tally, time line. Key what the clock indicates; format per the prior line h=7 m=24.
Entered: h=2 m=47
